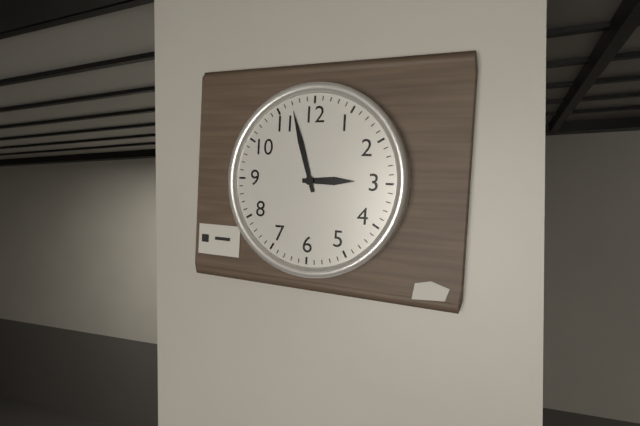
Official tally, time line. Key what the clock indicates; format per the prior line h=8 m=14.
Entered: h=2 m=57
